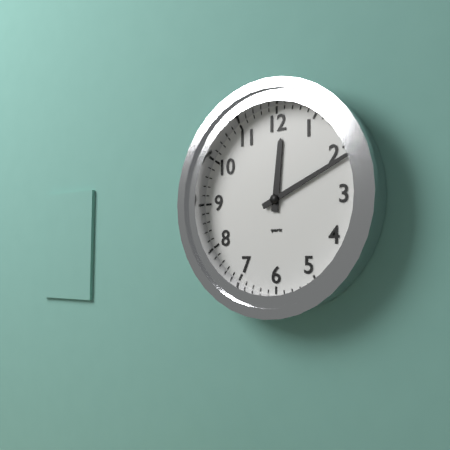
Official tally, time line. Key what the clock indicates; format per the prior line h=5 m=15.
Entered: h=12 m=11
